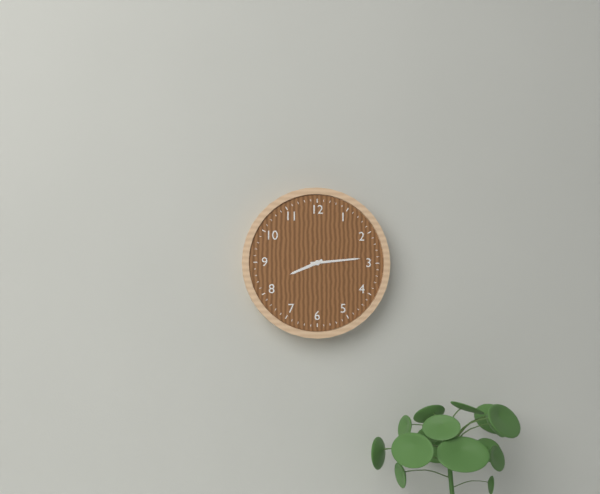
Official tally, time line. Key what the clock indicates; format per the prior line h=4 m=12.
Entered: h=8 m=14
